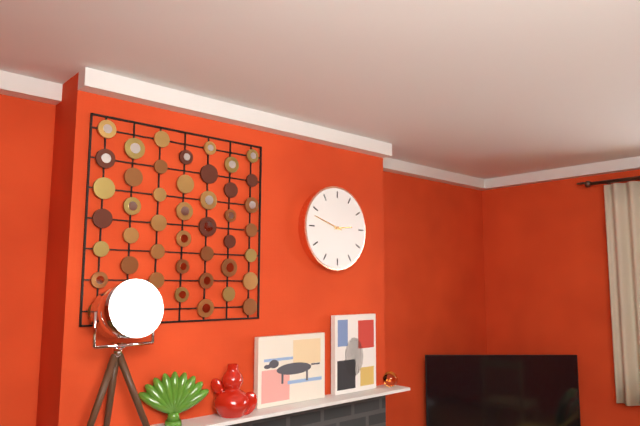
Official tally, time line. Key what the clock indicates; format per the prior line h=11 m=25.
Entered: h=2 m=48
